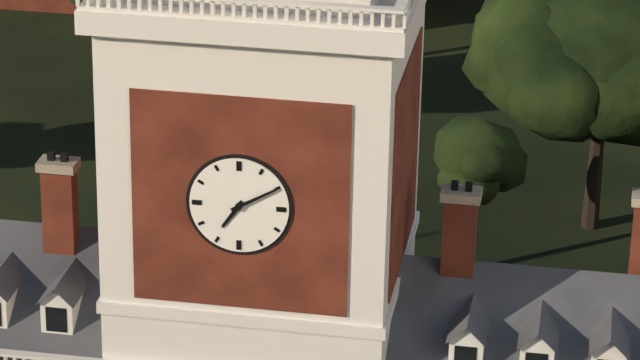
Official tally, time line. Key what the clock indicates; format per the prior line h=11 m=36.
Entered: h=7 m=10
